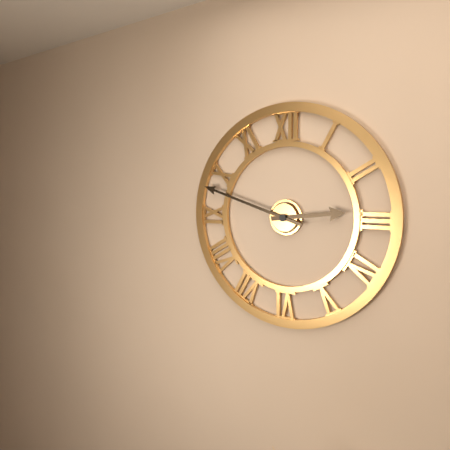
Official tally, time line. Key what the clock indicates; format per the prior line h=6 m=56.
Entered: h=2 m=48
